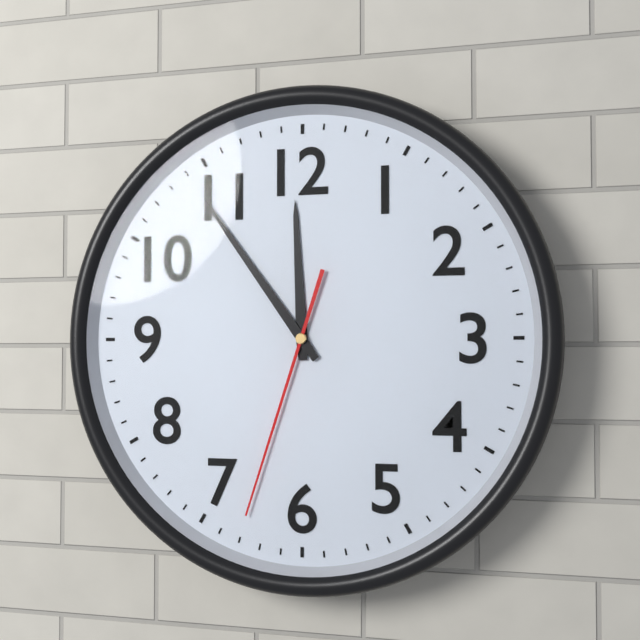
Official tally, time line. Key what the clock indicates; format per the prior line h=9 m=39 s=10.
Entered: h=11 m=54 s=33
